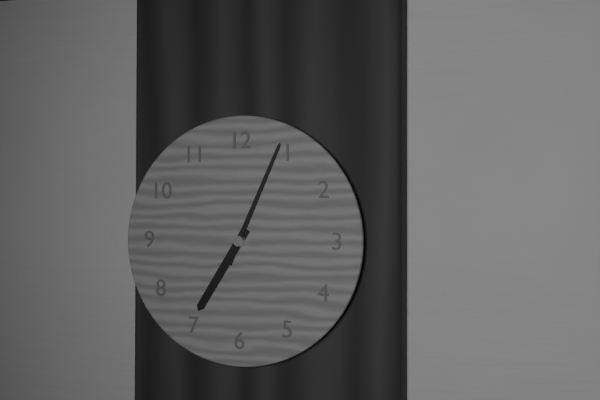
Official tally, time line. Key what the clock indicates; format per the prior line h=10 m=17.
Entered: h=7 m=4
